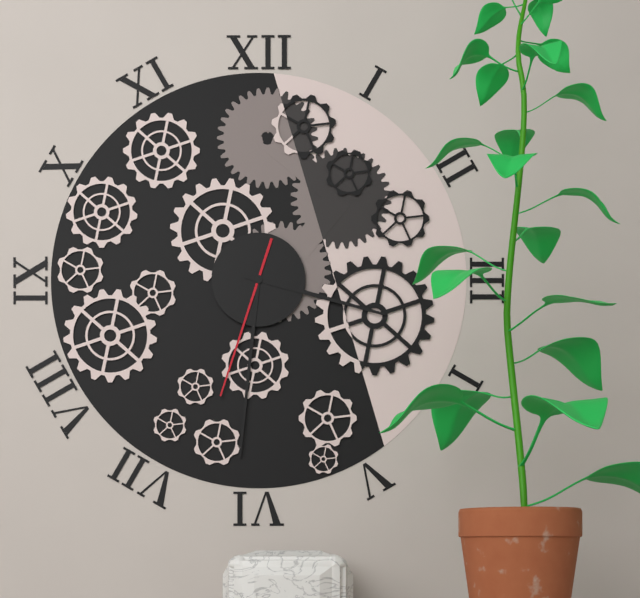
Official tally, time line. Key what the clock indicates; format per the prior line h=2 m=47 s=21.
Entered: h=3 m=31 s=33
